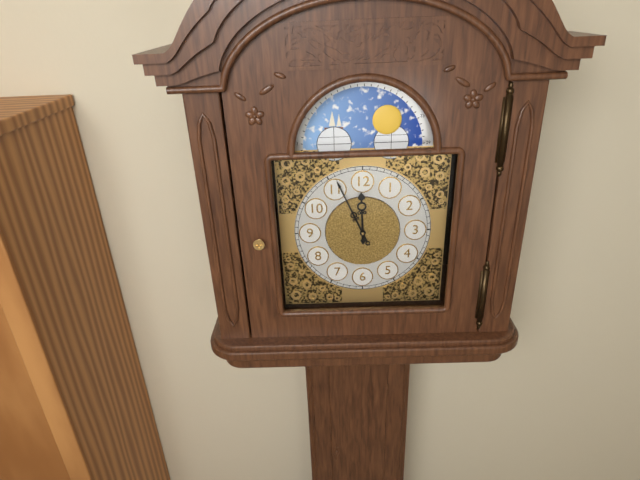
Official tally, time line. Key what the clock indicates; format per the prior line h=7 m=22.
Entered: h=11 m=56
